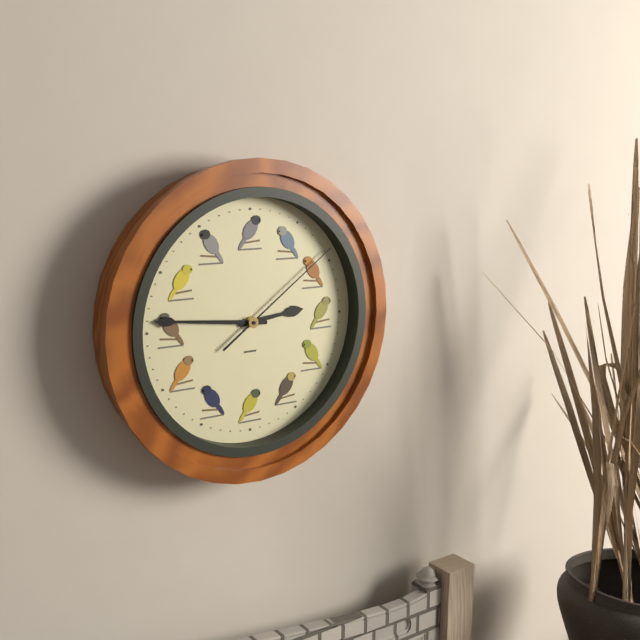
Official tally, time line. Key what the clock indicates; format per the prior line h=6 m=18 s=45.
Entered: h=2 m=46 s=9
